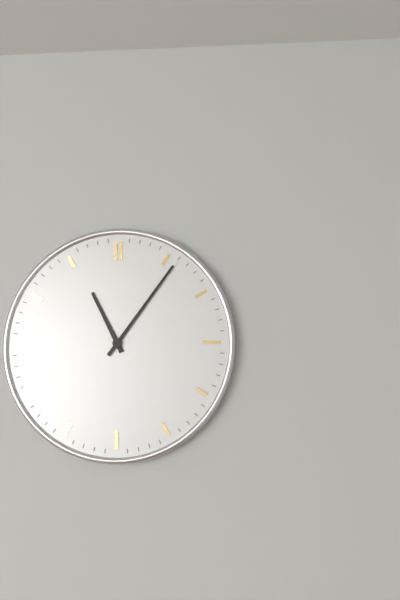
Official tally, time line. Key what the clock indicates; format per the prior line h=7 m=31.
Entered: h=11 m=6
